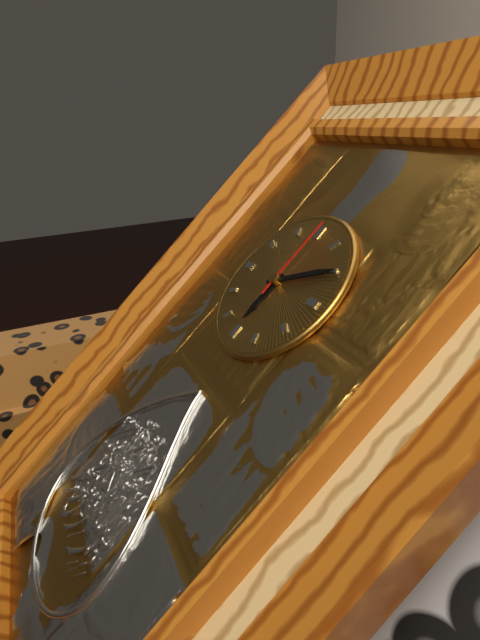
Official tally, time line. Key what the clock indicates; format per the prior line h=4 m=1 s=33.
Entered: h=6 m=10 s=0
